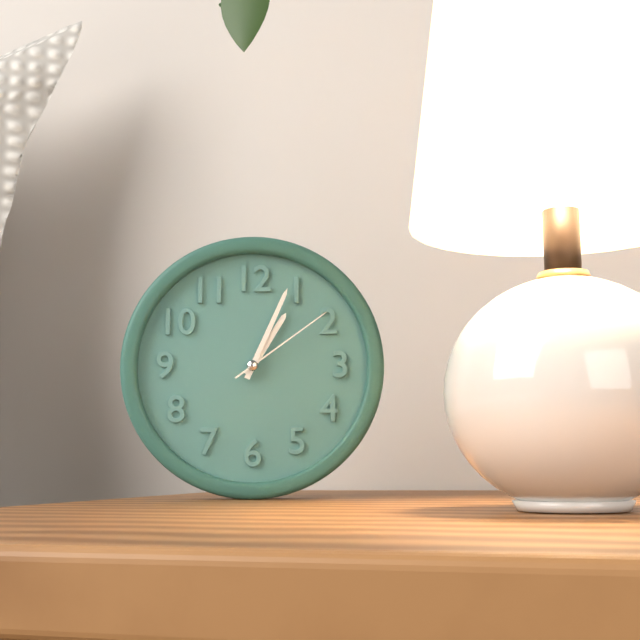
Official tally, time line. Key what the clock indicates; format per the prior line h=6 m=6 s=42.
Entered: h=1 m=4 s=9
